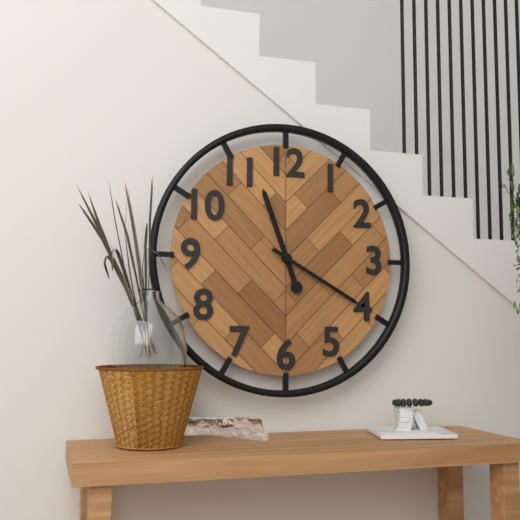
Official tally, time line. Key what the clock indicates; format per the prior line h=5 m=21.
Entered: h=11 m=20
